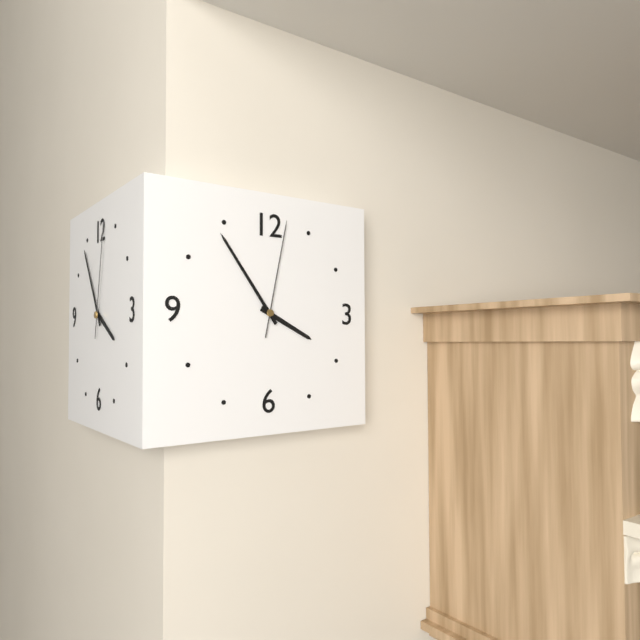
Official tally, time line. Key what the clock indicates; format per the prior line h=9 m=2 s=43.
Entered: h=3 m=54 s=2
